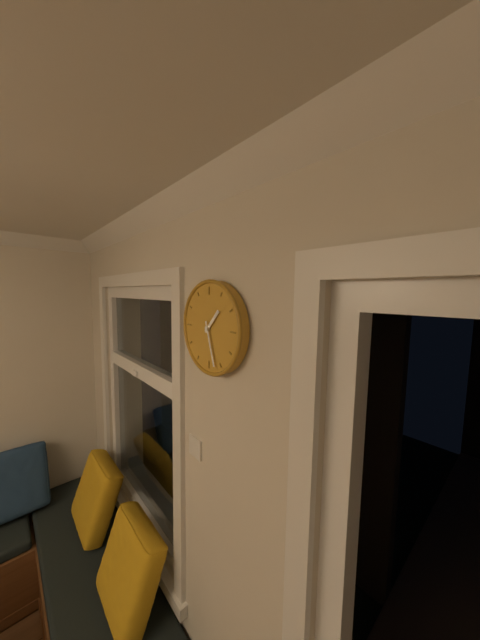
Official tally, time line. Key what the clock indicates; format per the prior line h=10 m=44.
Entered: h=1 m=27
